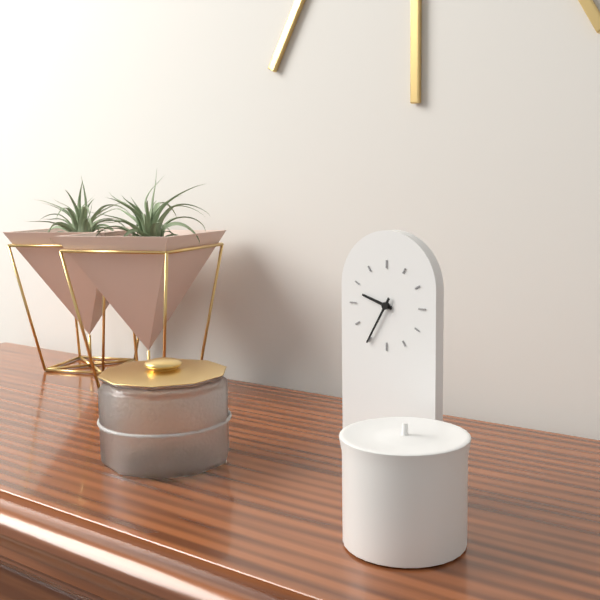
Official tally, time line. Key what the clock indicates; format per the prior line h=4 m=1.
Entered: h=9 m=35
